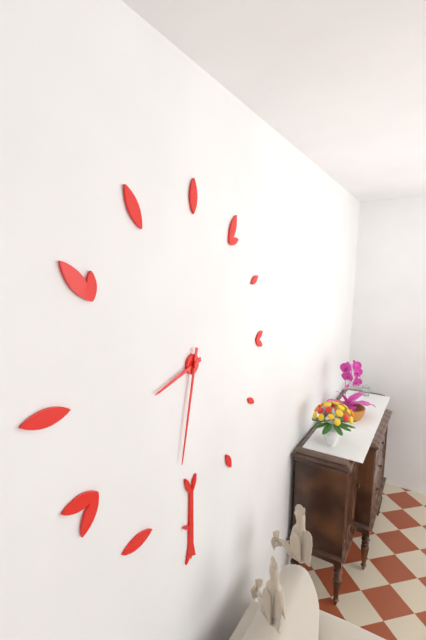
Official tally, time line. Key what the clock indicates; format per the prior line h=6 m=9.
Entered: h=8 m=32
